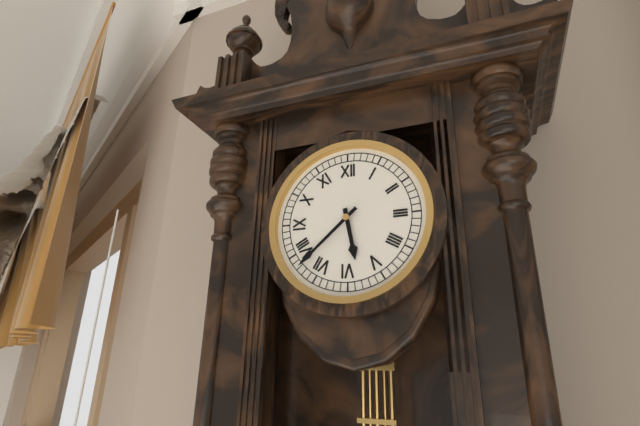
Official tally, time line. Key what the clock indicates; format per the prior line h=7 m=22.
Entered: h=5 m=38
